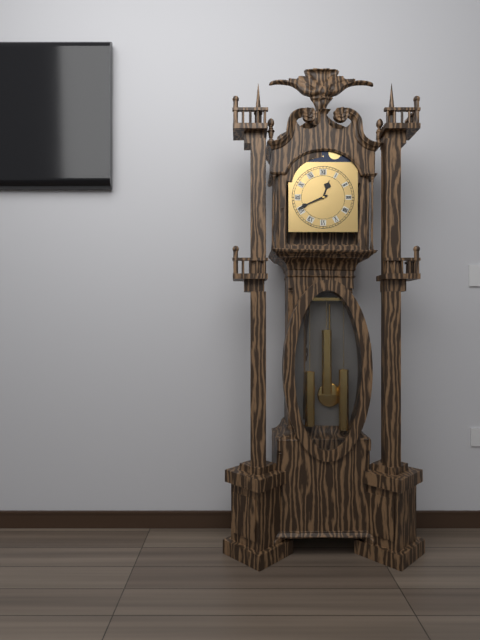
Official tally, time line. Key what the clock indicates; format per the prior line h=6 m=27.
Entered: h=12 m=41
